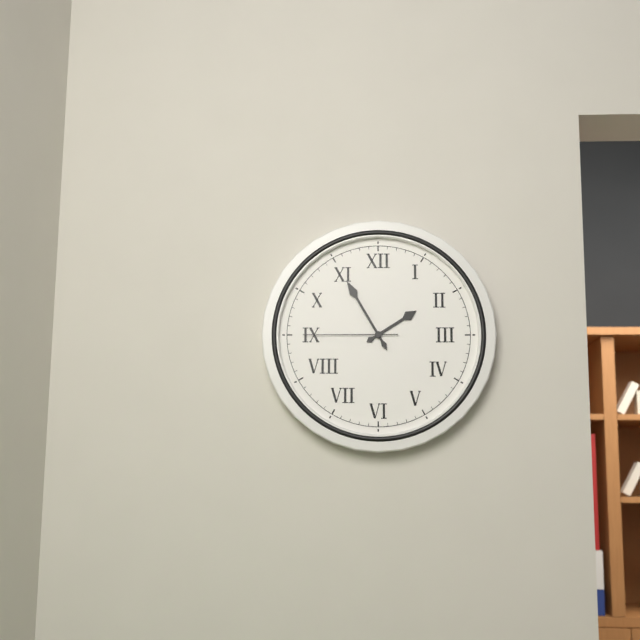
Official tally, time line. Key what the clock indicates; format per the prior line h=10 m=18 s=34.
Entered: h=1 m=55 s=45
